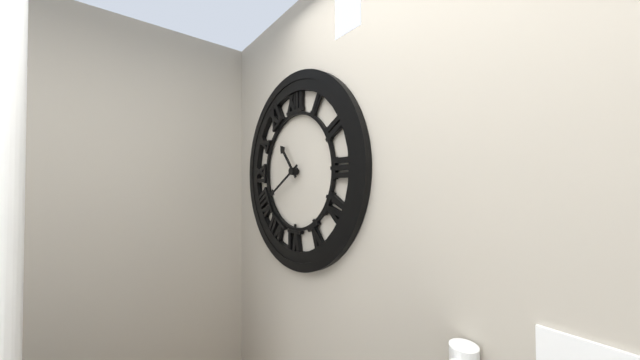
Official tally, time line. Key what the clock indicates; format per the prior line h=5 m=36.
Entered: h=10 m=40
